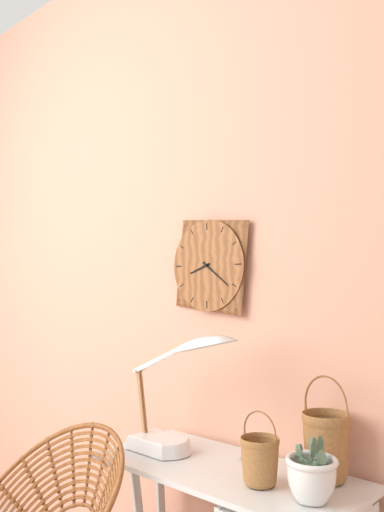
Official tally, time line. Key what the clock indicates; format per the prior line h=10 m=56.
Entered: h=8 m=21
